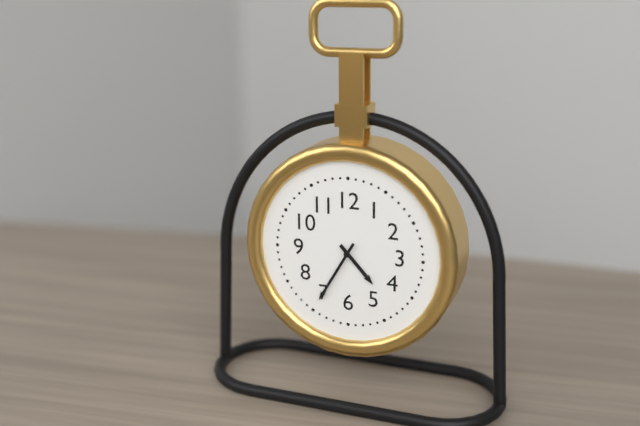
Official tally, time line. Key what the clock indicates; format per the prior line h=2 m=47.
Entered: h=4 m=35
